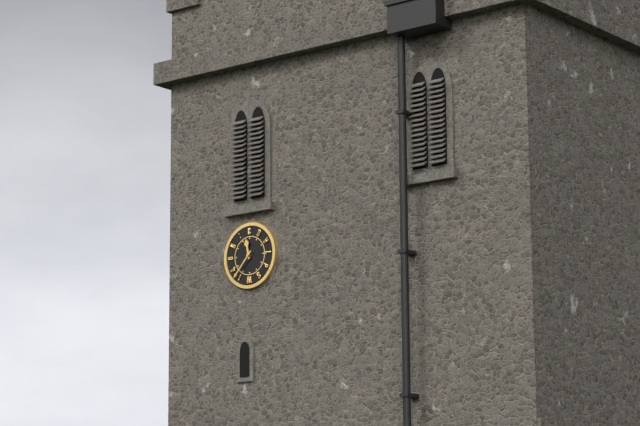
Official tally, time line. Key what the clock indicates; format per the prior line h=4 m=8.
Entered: h=11 m=37
